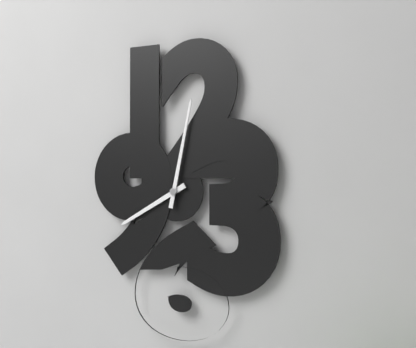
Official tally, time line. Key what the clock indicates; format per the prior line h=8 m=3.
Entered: h=8 m=2
